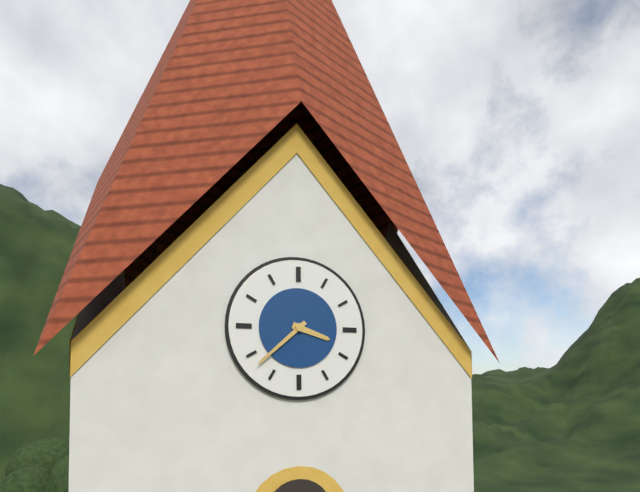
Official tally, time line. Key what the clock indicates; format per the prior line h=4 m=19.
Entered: h=3 m=38
